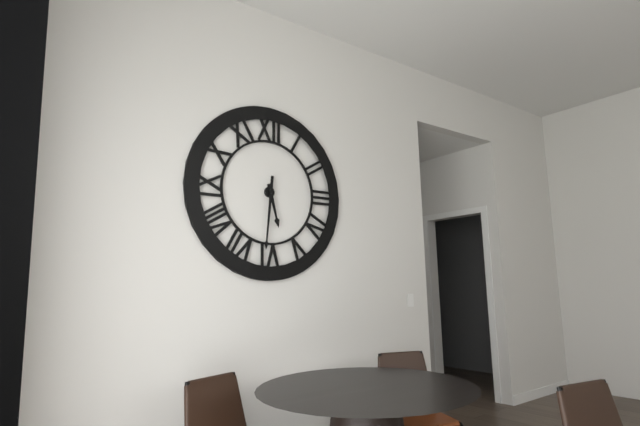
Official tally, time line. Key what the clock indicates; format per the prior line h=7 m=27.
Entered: h=5 m=31
